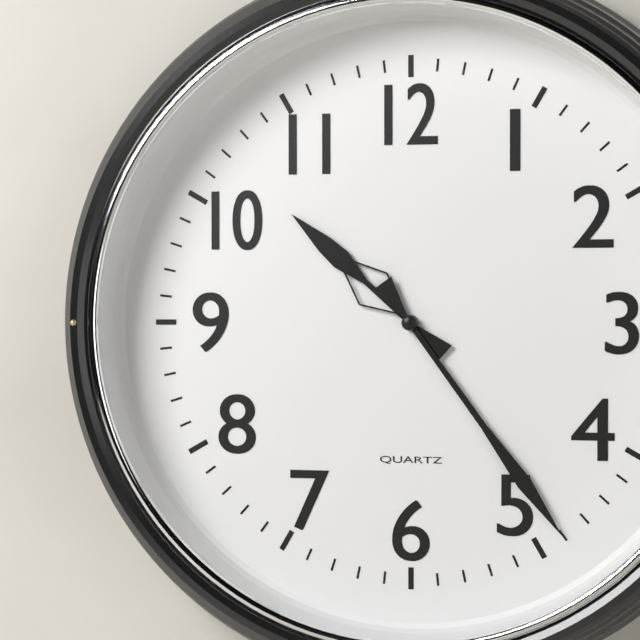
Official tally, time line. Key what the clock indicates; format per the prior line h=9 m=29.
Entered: h=10 m=24
